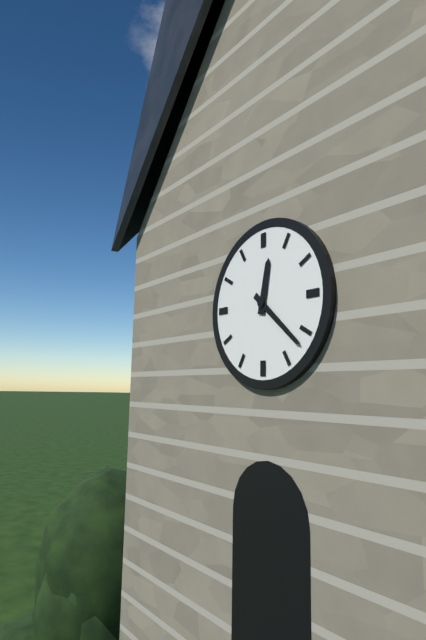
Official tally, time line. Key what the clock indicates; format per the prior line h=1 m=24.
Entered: h=12 m=22
